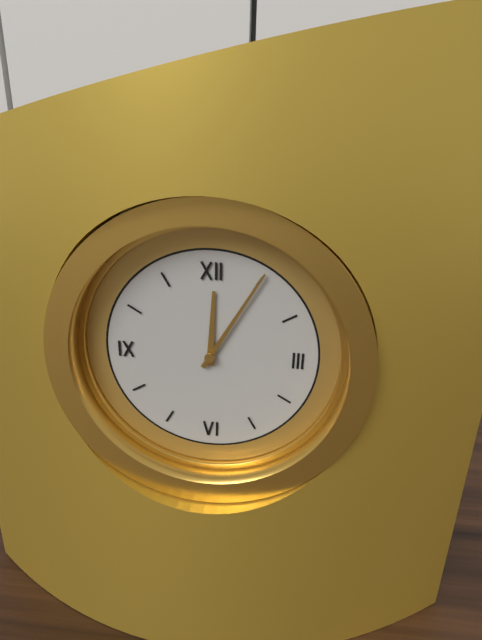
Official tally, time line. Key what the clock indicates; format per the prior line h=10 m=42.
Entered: h=12 m=5
